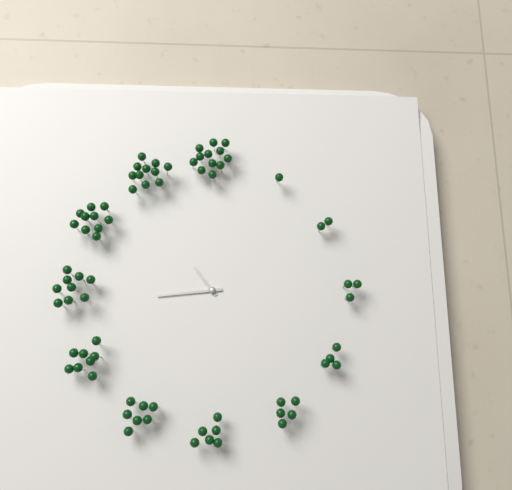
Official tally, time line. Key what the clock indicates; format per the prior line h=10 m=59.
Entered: h=10 m=44
